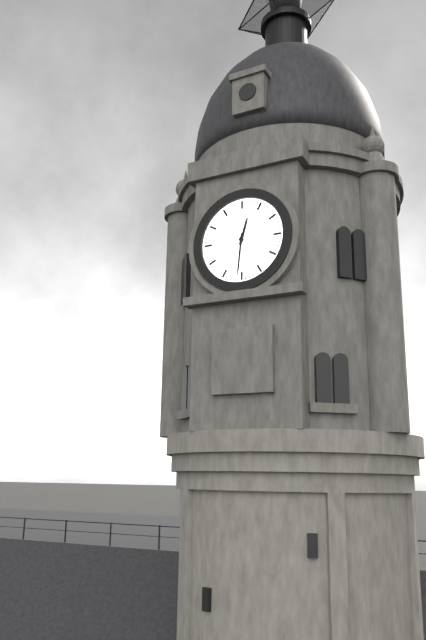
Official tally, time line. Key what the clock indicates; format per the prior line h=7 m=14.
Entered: h=12 m=31
